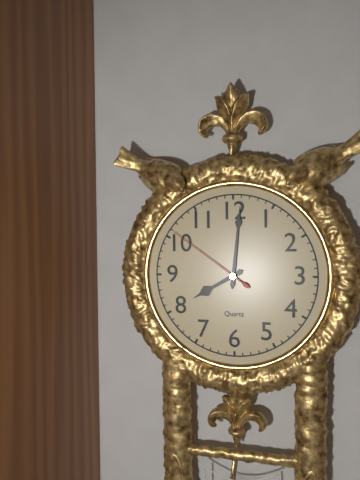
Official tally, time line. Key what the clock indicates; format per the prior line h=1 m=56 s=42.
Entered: h=8 m=1 s=51
